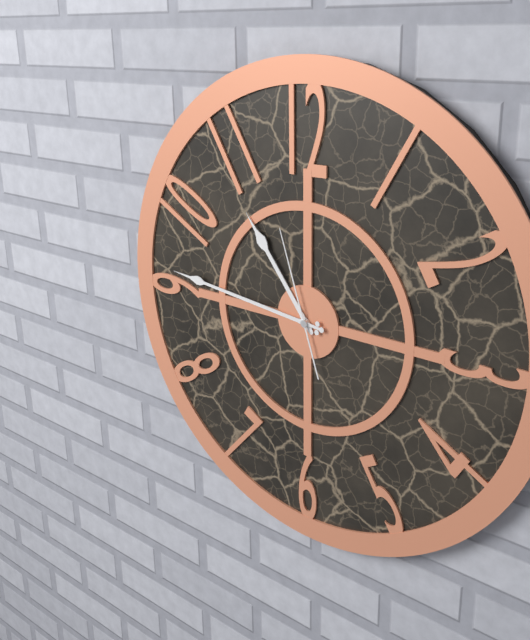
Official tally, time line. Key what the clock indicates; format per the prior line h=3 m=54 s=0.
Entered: h=10 m=46 s=57
